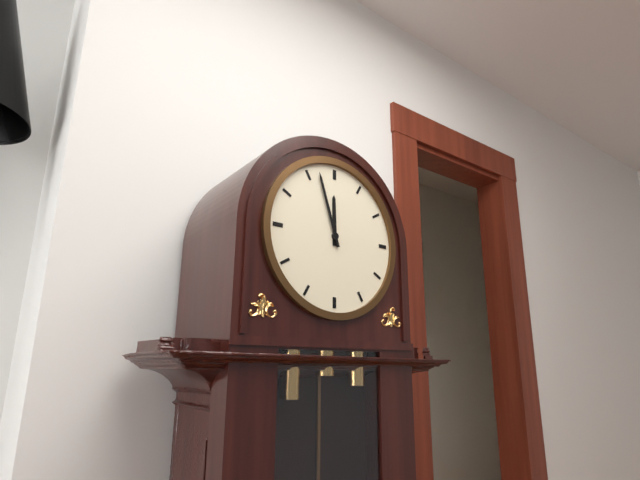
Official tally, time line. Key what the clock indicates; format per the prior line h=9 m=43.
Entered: h=11 m=57
